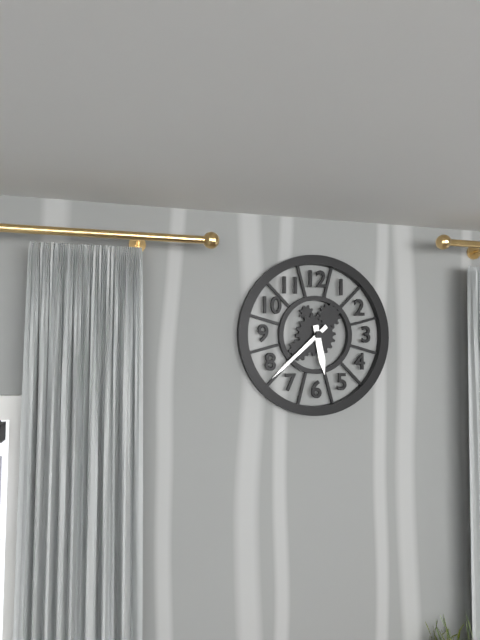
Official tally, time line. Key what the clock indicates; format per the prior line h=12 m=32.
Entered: h=5 m=38
